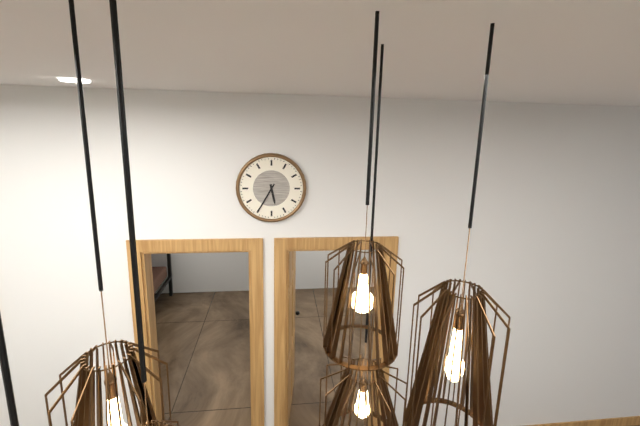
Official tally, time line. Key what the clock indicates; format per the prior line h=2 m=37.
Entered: h=5 m=35
